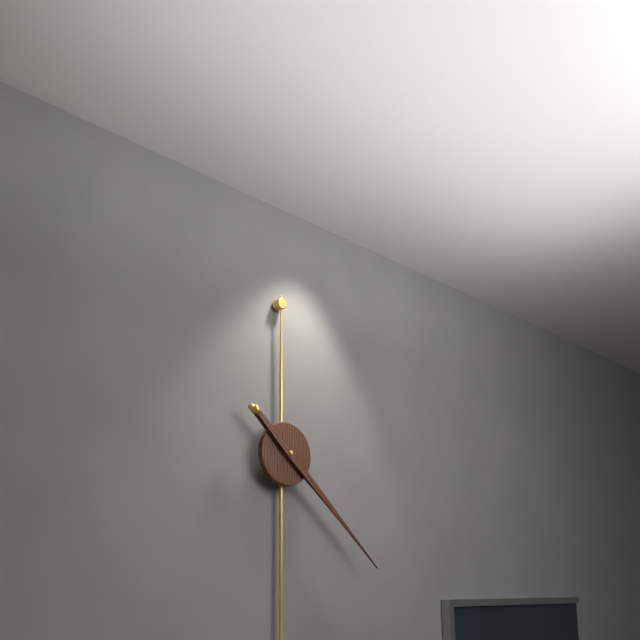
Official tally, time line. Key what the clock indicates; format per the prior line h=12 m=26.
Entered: h=4 m=22
